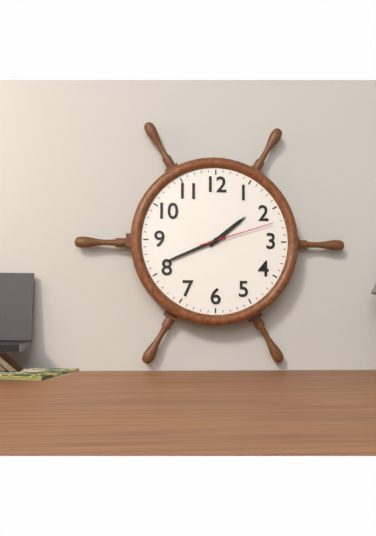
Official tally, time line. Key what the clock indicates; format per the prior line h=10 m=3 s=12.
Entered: h=1 m=41 s=12
